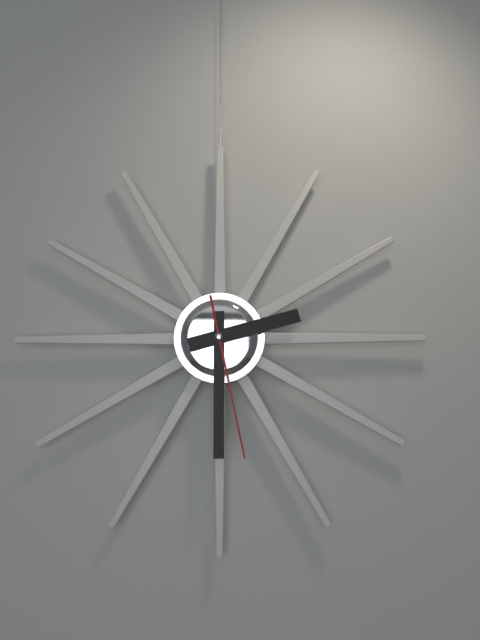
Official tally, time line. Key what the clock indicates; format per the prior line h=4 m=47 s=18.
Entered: h=2 m=30 s=28
